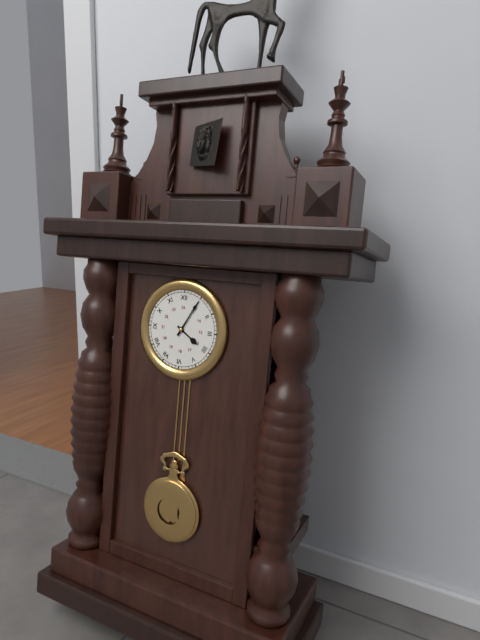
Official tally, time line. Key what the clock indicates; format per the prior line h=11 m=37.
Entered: h=4 m=5
